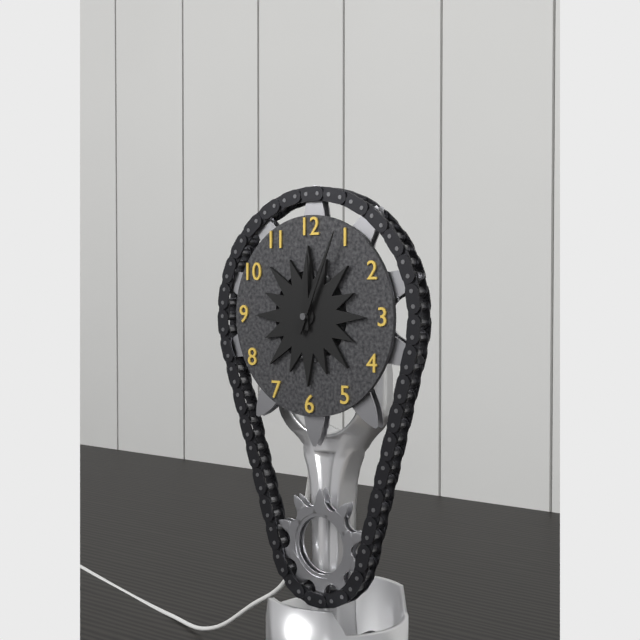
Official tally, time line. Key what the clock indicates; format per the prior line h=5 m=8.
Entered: h=12 m=4
